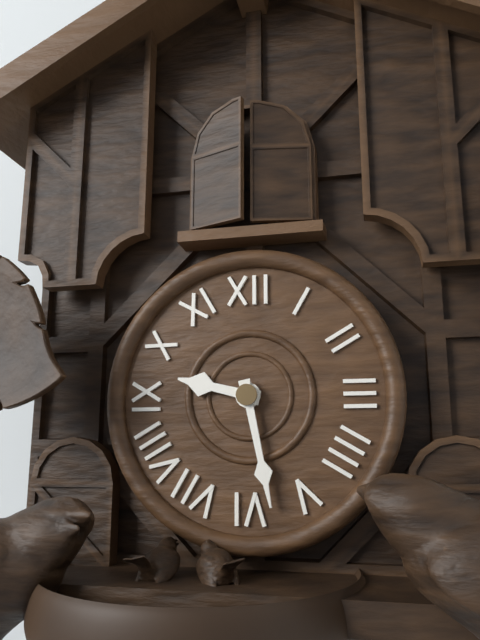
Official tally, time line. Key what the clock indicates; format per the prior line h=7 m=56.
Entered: h=9 m=28
